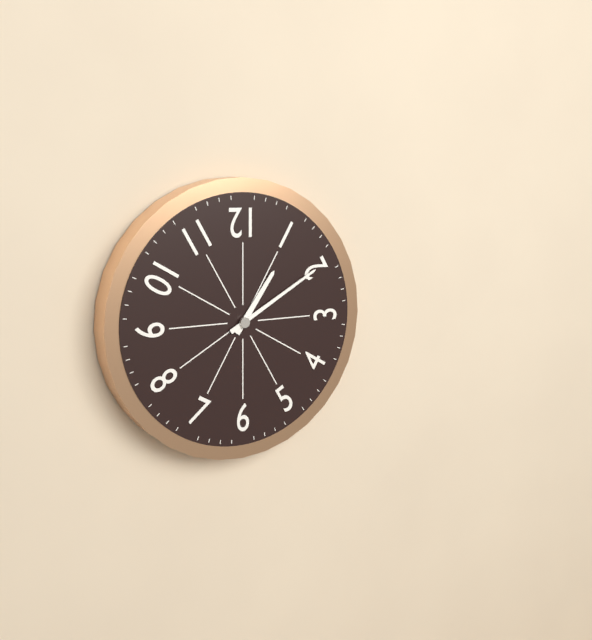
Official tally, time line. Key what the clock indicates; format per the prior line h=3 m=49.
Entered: h=1 m=10
